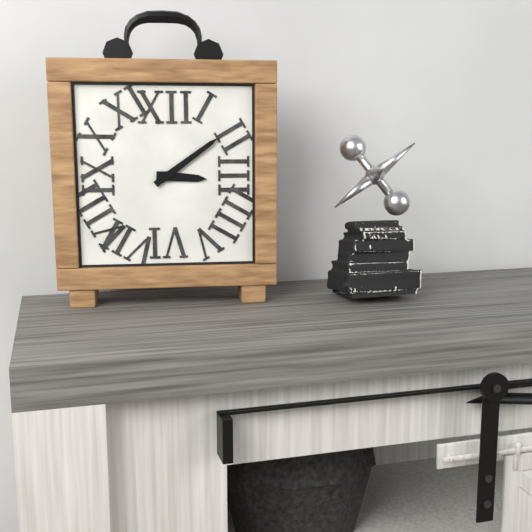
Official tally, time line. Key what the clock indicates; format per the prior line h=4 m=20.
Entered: h=3 m=9
